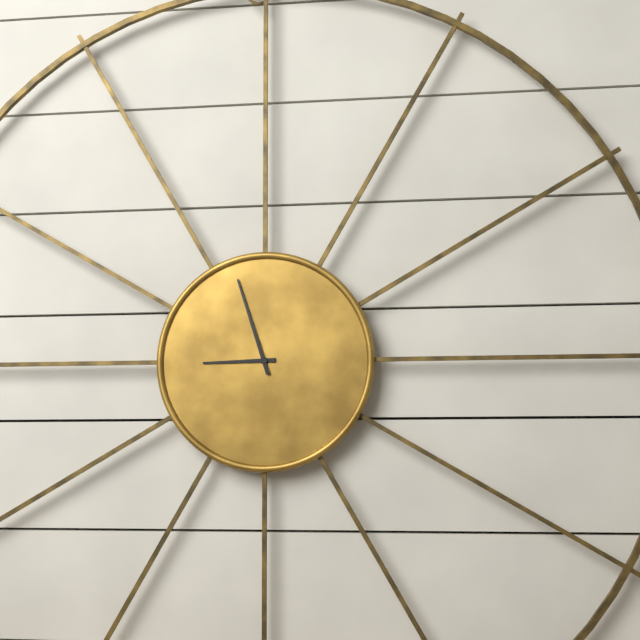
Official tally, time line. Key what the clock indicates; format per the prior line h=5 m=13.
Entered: h=8 m=57
